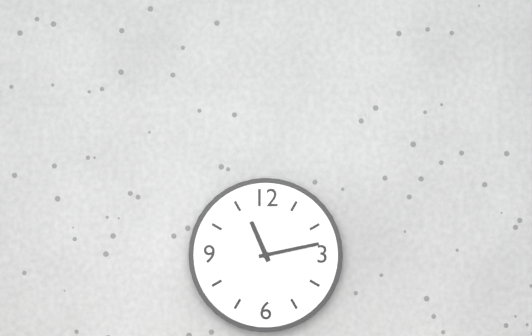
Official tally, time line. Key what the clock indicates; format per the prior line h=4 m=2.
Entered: h=11 m=13
